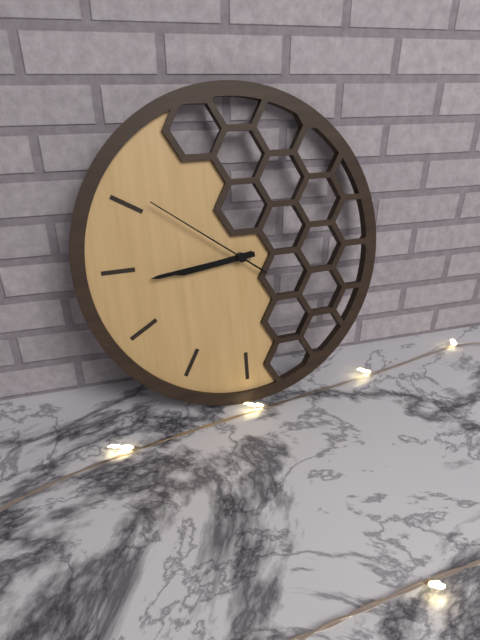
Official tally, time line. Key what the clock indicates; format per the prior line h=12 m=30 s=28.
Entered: h=8 m=44 s=51
